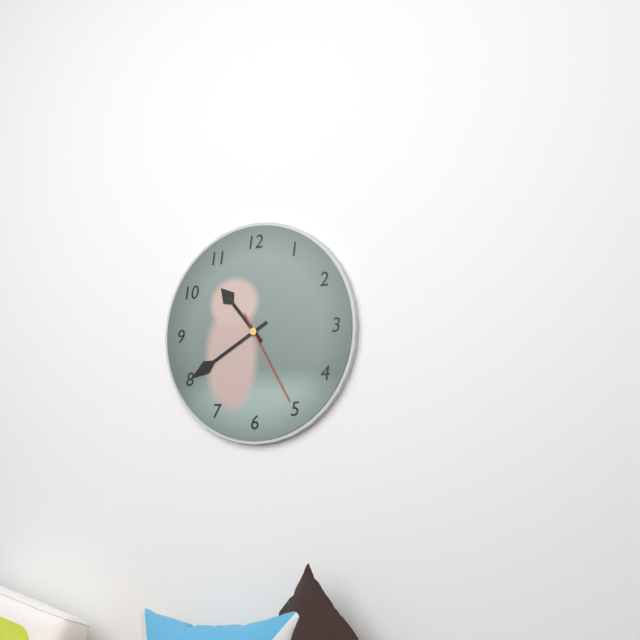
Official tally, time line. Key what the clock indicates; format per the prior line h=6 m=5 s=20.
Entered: h=10 m=40 s=25
